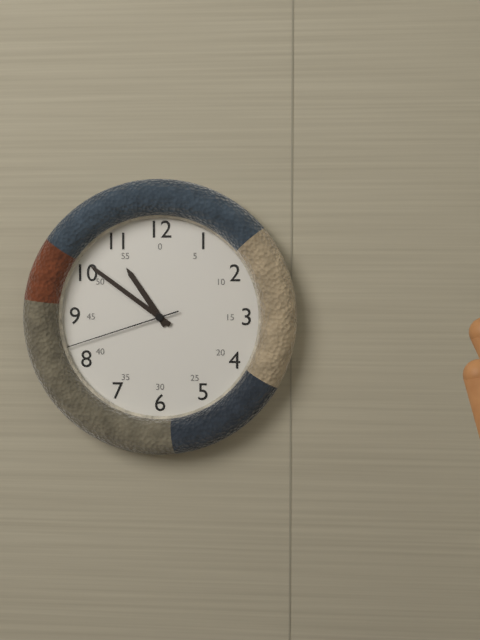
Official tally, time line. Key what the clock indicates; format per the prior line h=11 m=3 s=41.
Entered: h=10 m=51 s=42
